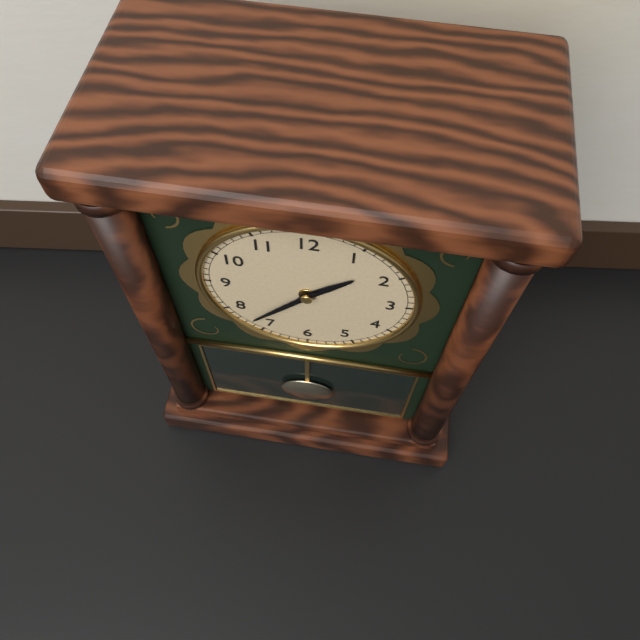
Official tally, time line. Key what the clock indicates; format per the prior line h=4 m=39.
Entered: h=1 m=37
